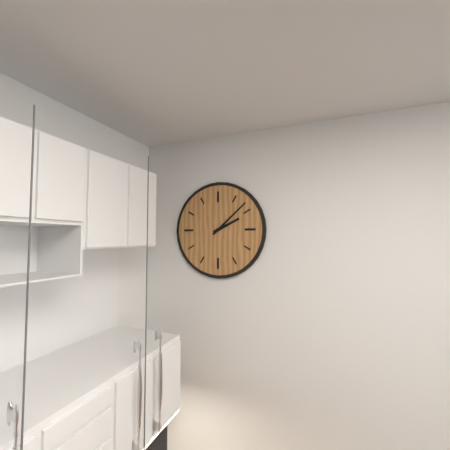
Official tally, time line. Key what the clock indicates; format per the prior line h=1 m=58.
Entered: h=2 m=8
